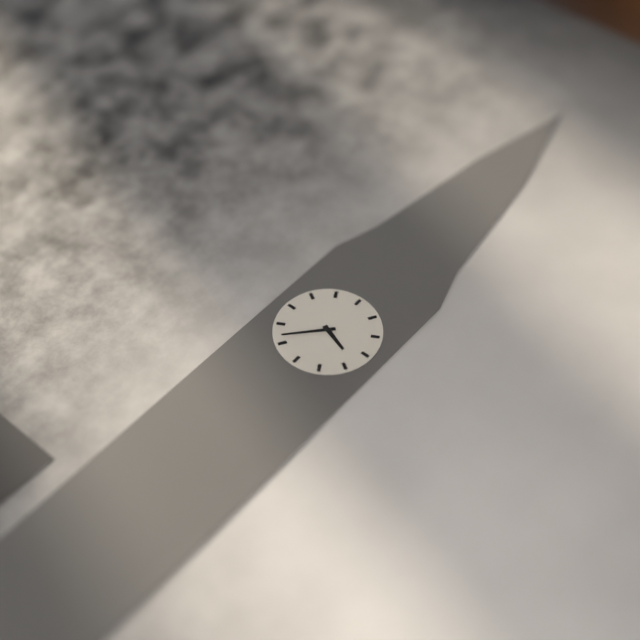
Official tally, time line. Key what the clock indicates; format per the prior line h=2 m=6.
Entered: h=3 m=37
